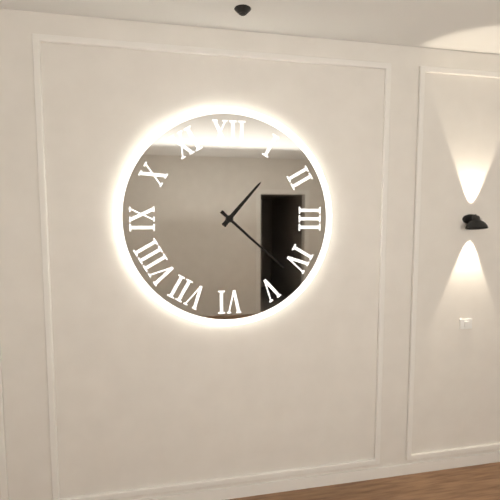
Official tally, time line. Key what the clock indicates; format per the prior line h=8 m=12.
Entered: h=1 m=22
